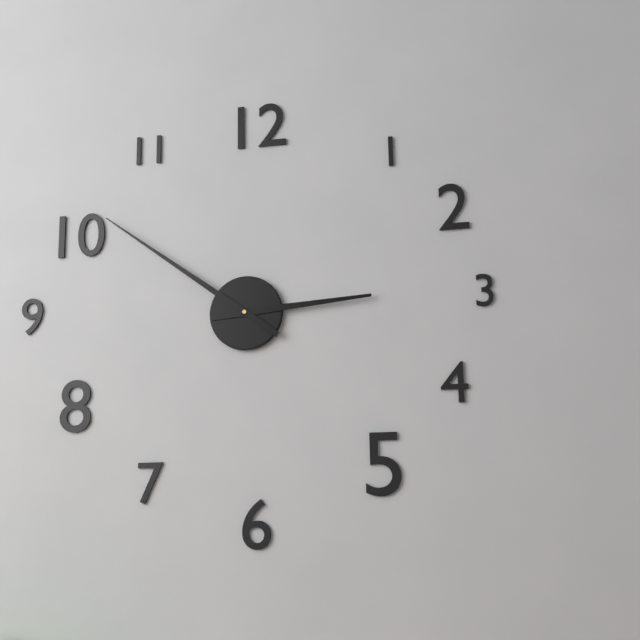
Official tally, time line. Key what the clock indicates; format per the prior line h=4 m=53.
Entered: h=2 m=51
